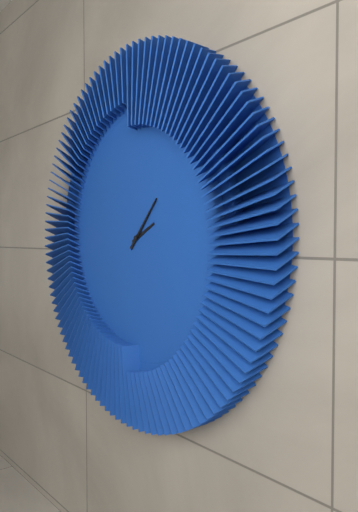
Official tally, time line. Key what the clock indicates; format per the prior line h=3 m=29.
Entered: h=2 m=7
